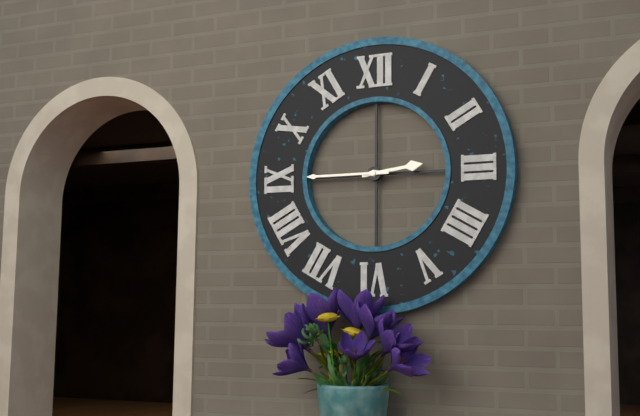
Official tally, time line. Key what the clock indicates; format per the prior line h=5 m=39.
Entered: h=2 m=45
